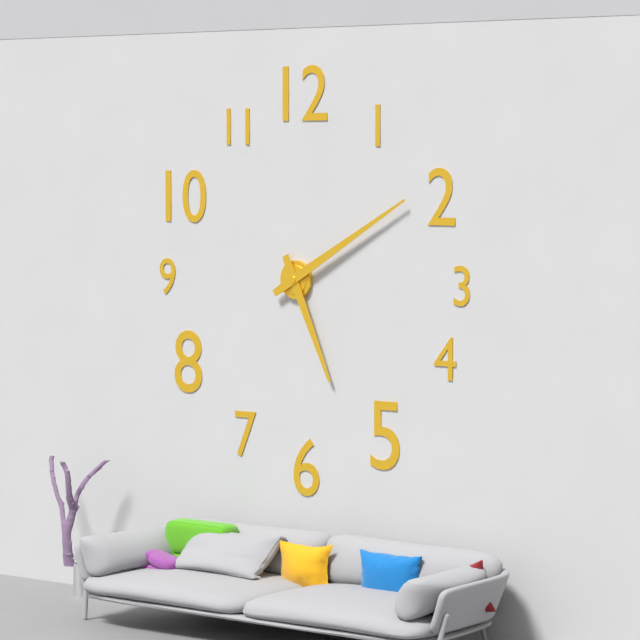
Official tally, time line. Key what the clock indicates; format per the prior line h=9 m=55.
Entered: h=5 m=10
